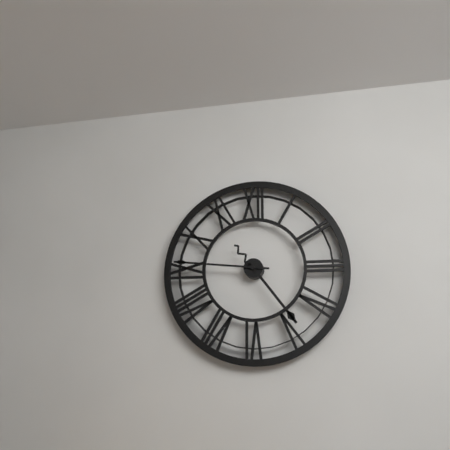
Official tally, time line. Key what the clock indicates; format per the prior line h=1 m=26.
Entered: h=4 m=46
